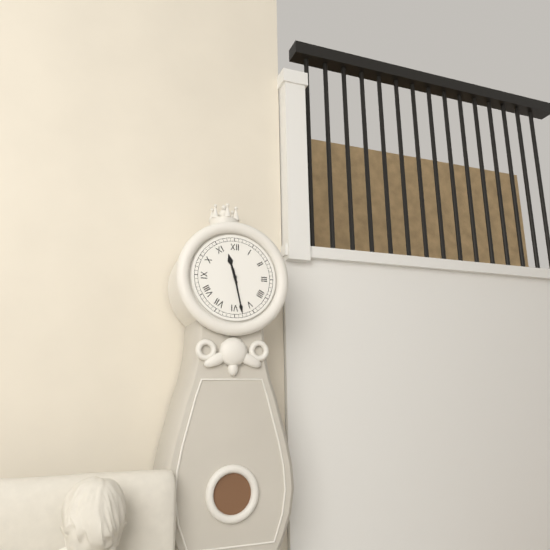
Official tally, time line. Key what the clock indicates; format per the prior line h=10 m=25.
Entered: h=11 m=28
